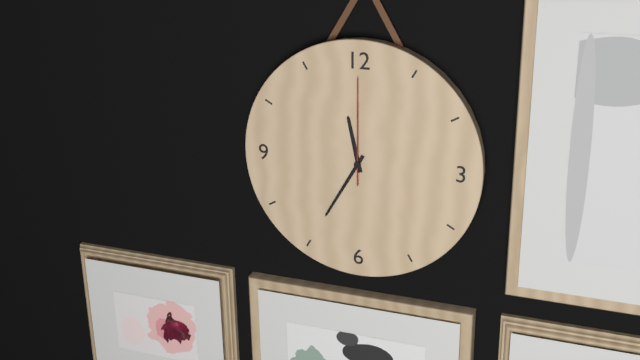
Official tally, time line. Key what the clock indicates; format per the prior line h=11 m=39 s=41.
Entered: h=11 m=35 s=0
